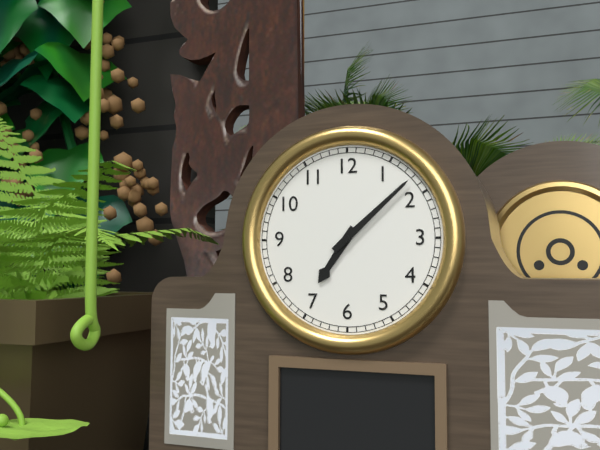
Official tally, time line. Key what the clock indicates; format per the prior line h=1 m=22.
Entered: h=7 m=8
